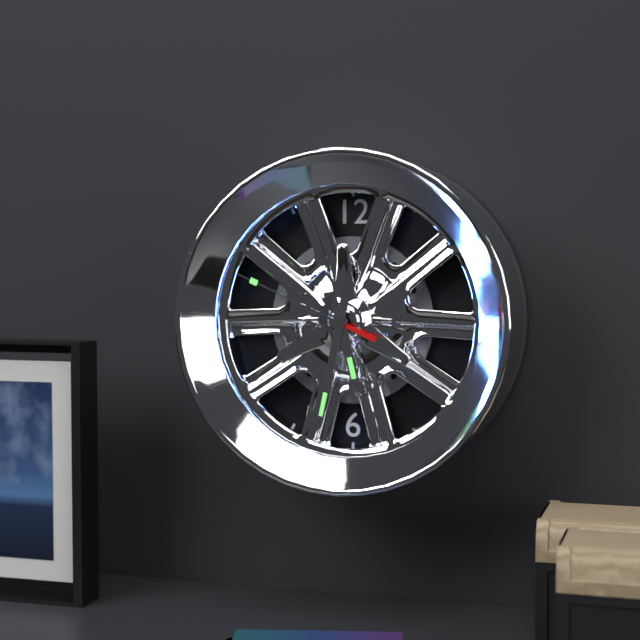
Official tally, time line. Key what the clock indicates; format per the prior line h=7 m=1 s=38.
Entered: h=5 m=32 s=49
